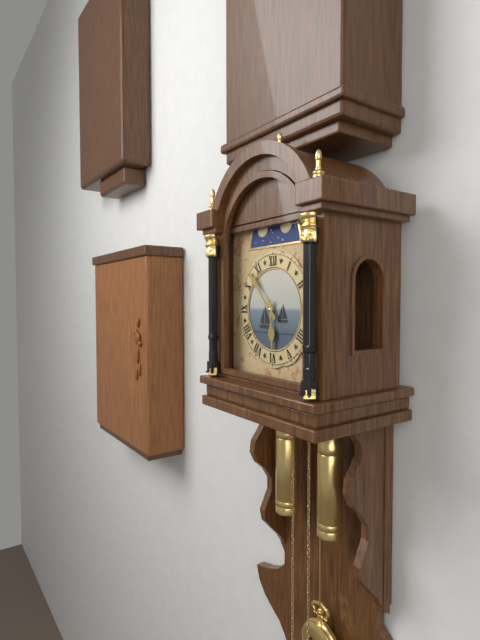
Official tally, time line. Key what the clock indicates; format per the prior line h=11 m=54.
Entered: h=5 m=53
